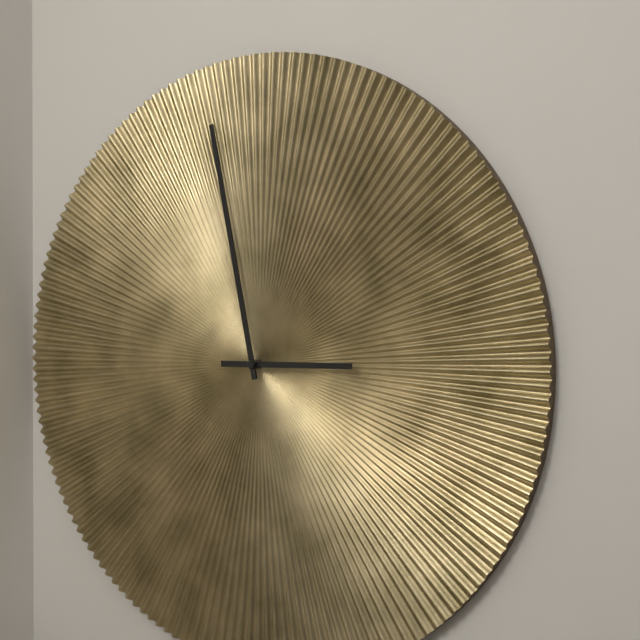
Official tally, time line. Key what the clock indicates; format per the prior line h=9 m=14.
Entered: h=2 m=58
